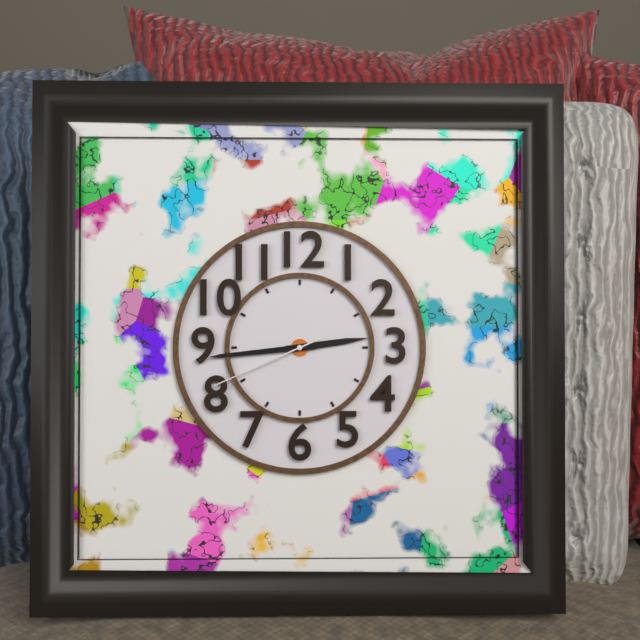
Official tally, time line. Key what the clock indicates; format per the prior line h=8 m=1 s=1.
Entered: h=2 m=44 s=41
